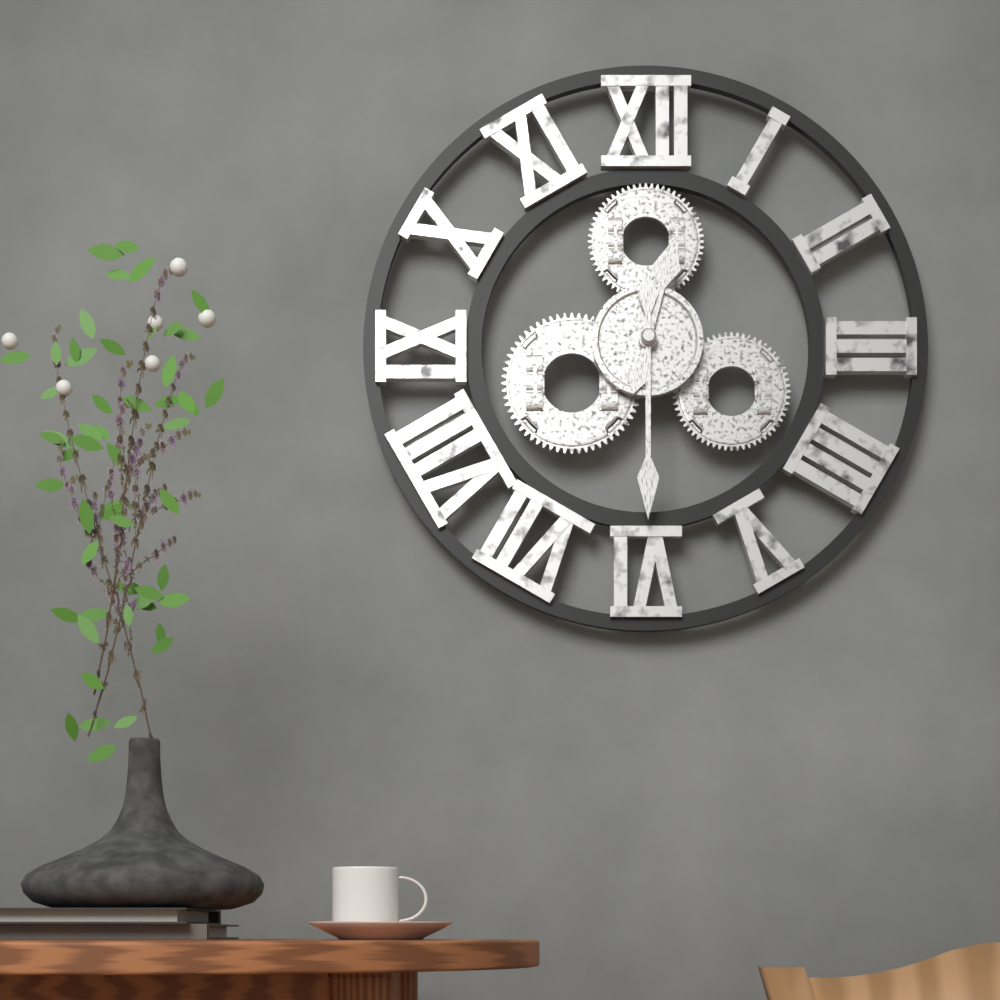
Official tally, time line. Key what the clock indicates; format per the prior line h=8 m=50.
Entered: h=12 m=30
